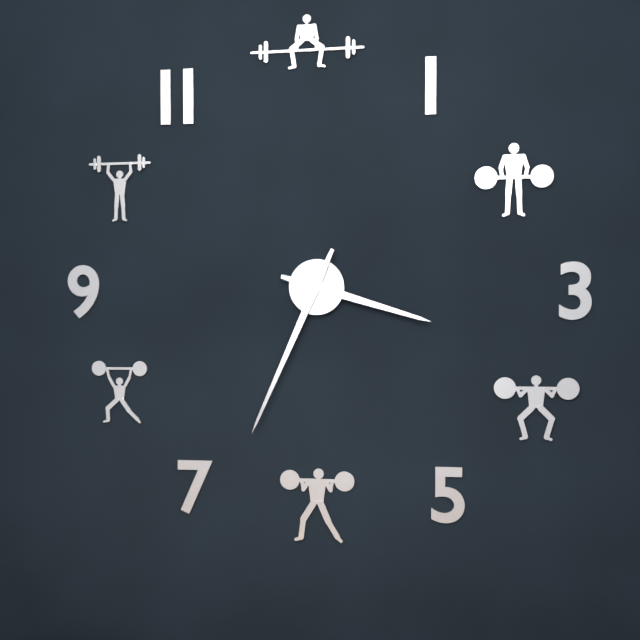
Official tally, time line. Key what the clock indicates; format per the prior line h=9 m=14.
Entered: h=3 m=34
